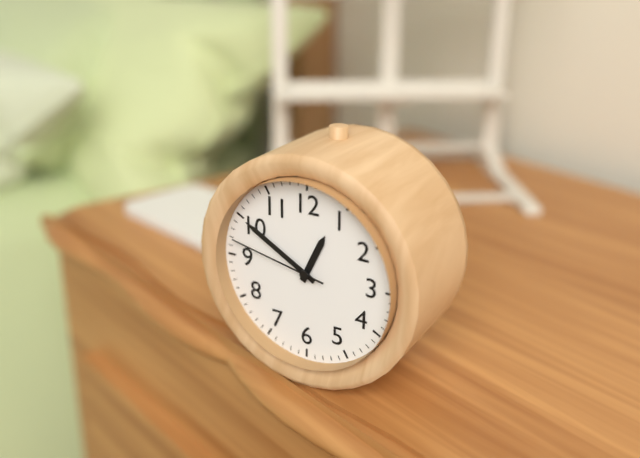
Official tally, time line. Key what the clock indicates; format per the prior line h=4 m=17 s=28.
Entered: h=12 m=50 s=47
